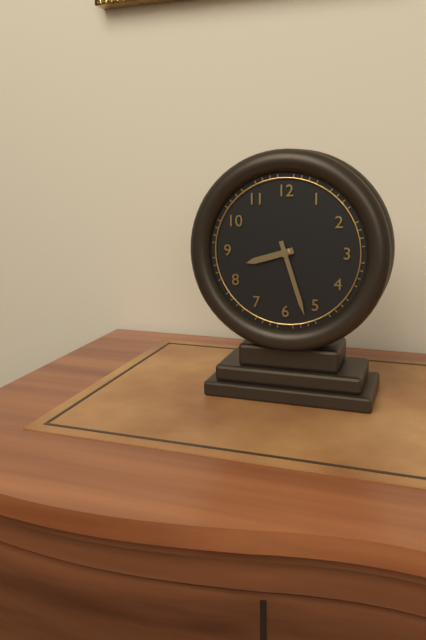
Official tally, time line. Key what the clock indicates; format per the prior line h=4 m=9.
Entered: h=8 m=27
